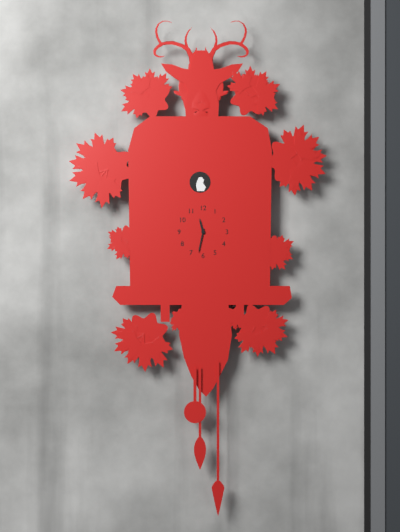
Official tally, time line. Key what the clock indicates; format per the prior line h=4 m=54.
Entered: h=11 m=32
